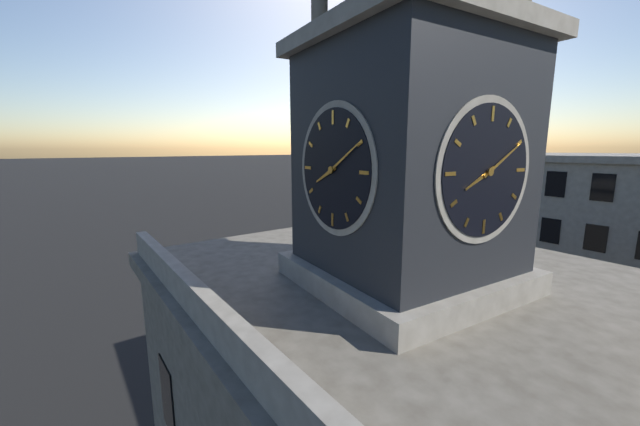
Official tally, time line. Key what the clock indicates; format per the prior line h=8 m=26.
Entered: h=8 m=10
